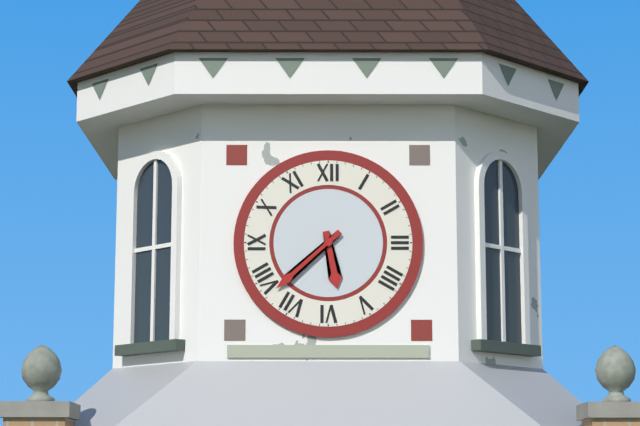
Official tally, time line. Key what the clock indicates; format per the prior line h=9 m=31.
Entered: h=5 m=38
